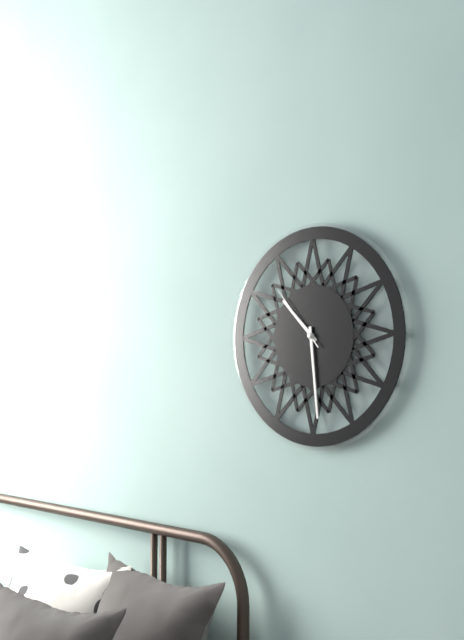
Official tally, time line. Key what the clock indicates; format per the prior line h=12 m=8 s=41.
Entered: h=10 m=29 s=53
